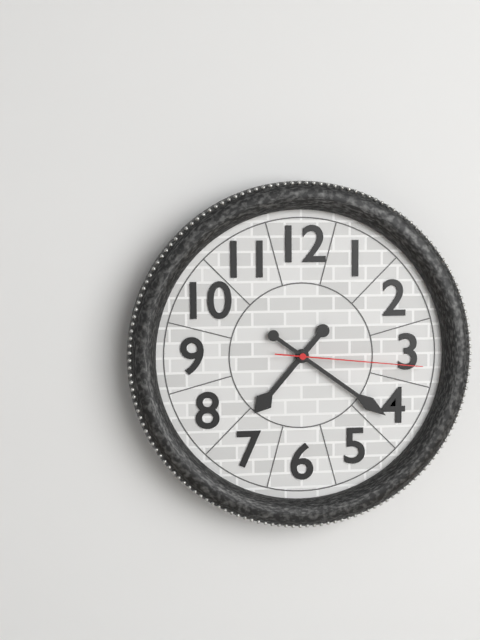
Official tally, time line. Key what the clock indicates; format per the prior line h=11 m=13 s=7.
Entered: h=7 m=21 s=16
